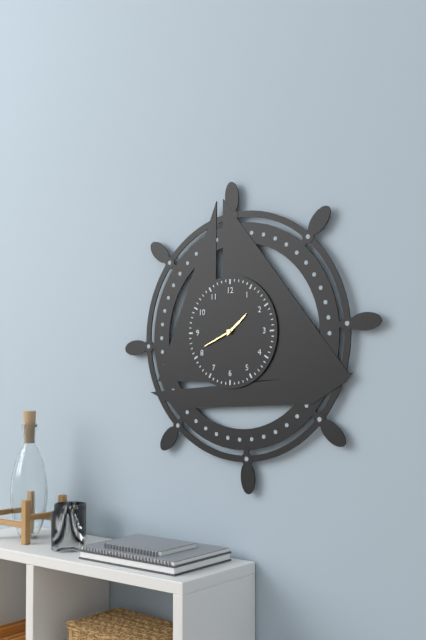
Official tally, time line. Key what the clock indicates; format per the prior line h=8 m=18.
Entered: h=1 m=41
